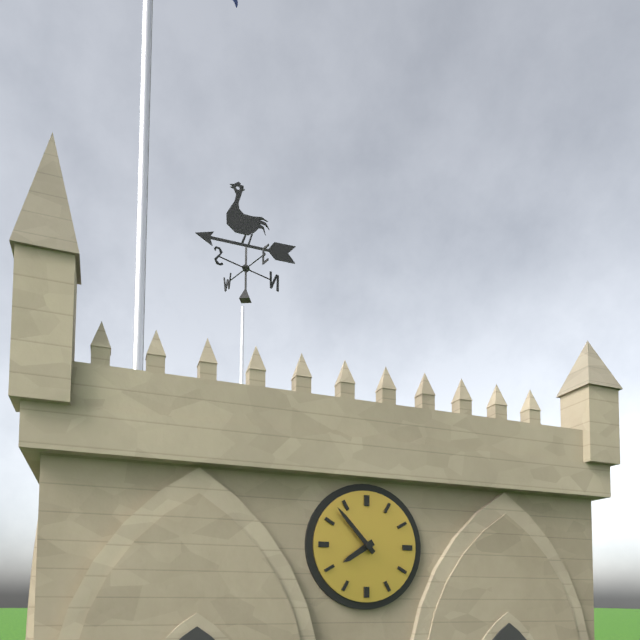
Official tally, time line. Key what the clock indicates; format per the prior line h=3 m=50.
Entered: h=7 m=53
